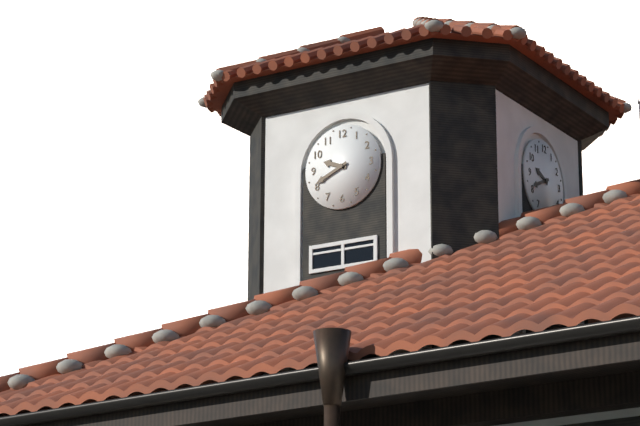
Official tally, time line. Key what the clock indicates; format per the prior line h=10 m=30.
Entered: h=9 m=41
